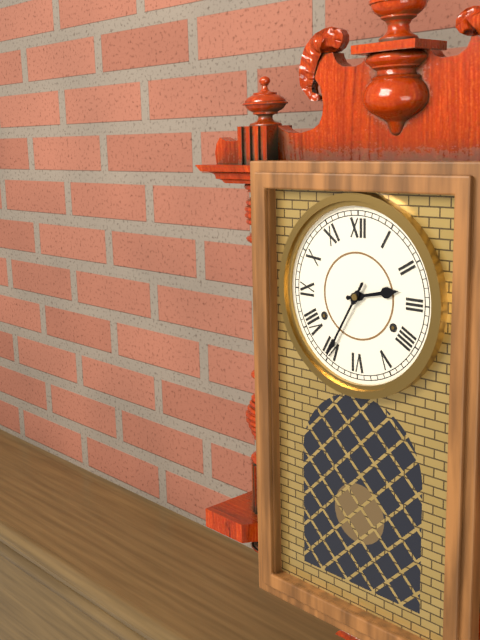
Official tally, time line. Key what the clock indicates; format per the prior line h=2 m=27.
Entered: h=2 m=35
